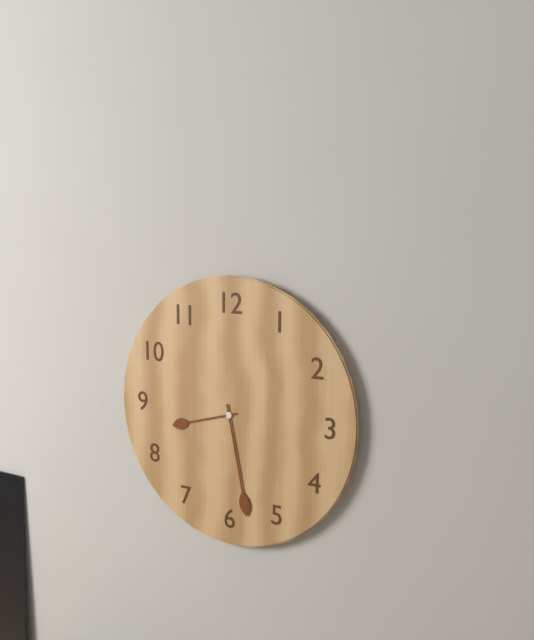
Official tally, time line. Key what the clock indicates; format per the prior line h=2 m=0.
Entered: h=8 m=28
